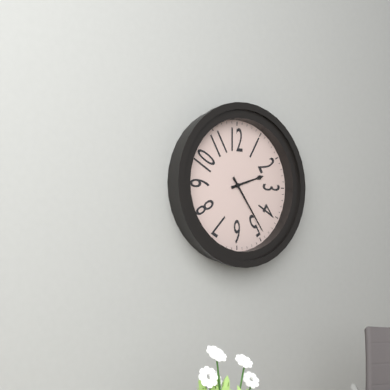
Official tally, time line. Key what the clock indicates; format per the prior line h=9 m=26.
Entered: h=2 m=24
